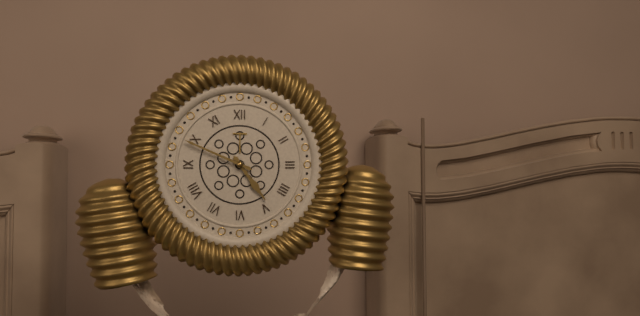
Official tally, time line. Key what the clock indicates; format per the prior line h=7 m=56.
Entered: h=4 m=49
